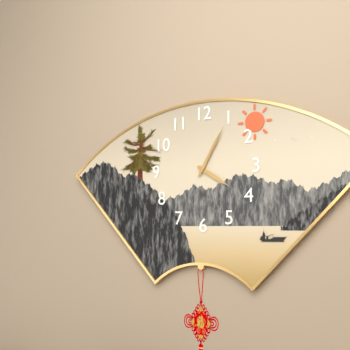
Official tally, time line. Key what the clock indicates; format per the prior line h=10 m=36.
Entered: h=4 m=5
